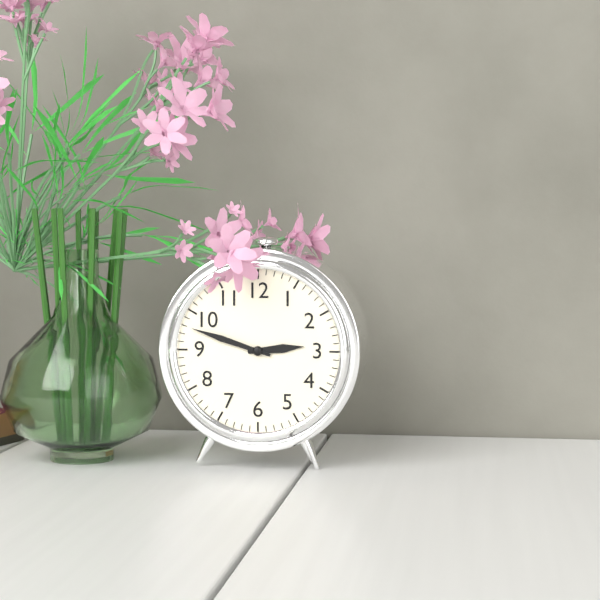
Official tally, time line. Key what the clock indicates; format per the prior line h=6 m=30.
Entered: h=2 m=48
